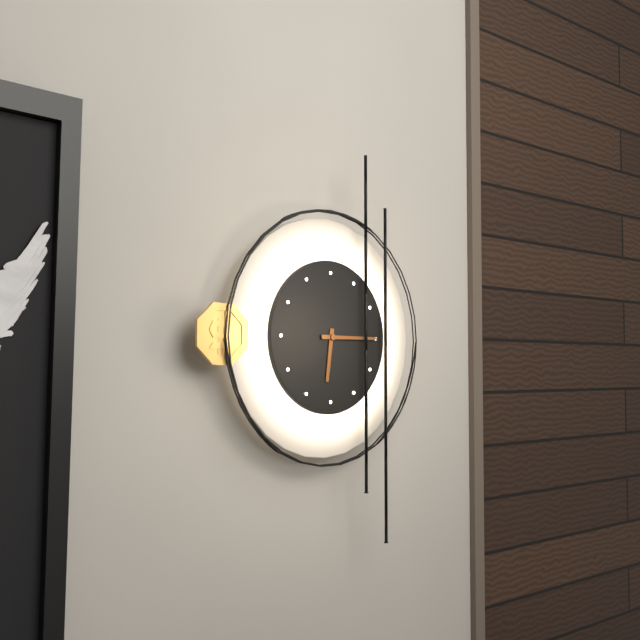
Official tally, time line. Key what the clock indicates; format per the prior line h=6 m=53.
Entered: h=6 m=15
